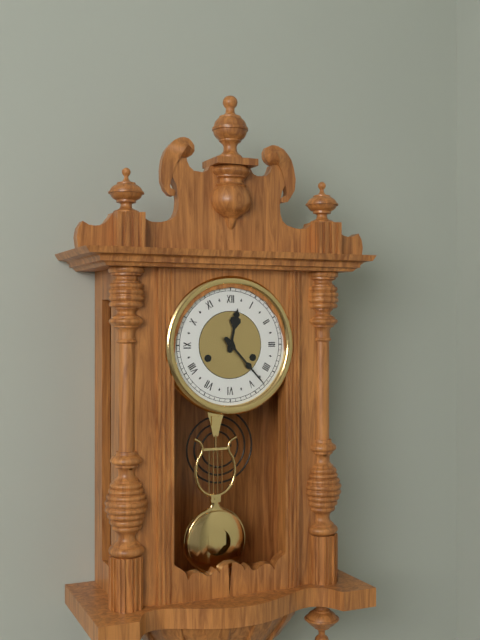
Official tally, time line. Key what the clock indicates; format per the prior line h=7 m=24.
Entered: h=12 m=23
